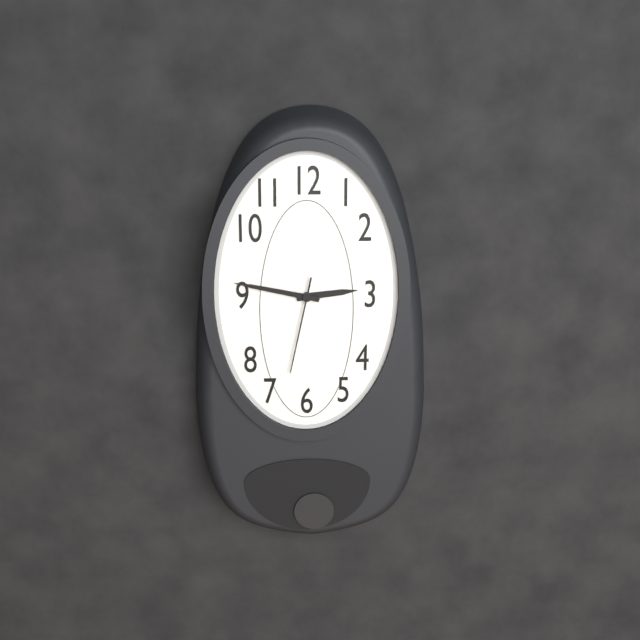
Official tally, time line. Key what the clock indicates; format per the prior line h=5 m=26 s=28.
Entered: h=2 m=47 s=32
